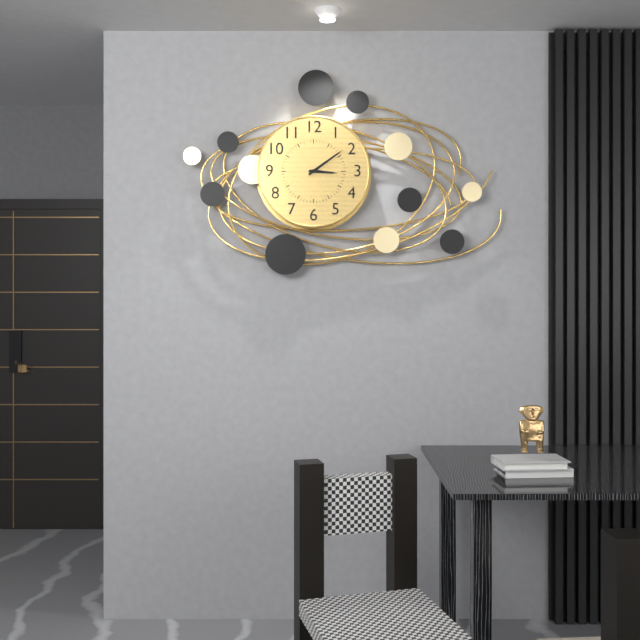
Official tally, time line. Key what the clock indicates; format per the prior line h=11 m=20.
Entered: h=3 m=9
